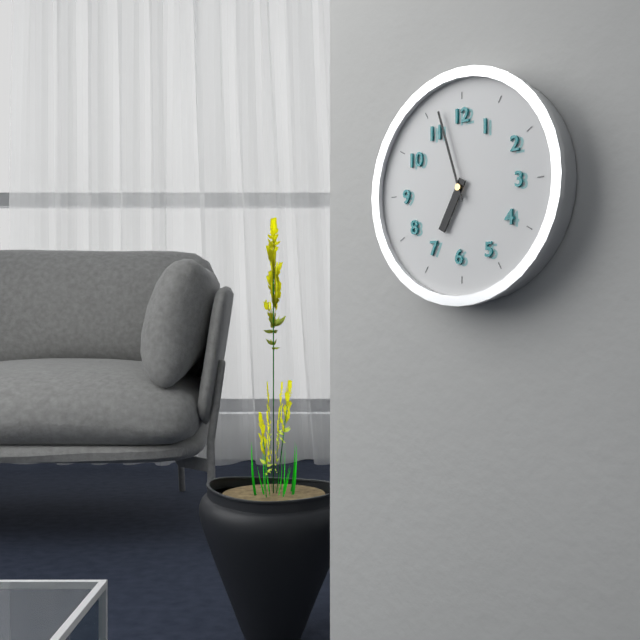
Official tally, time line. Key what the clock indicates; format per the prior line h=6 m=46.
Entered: h=6 m=57
